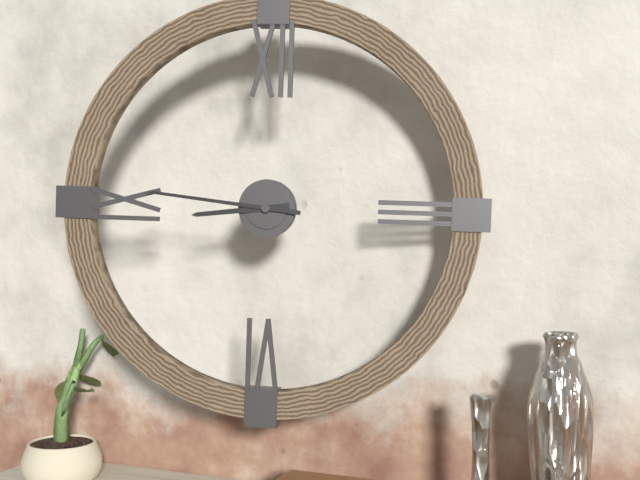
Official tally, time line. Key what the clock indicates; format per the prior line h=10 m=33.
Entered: h=8 m=46
